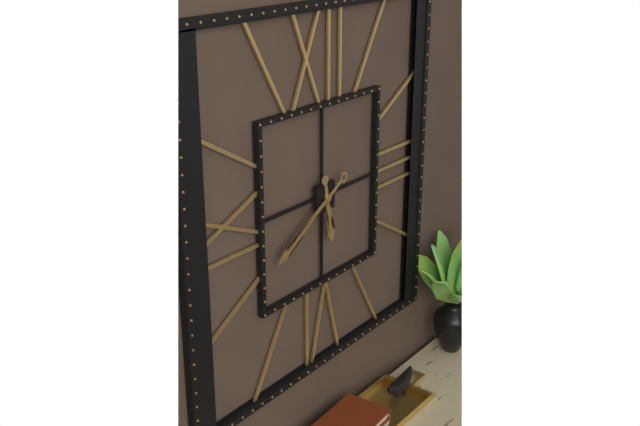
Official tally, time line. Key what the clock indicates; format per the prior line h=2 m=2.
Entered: h=5 m=40
